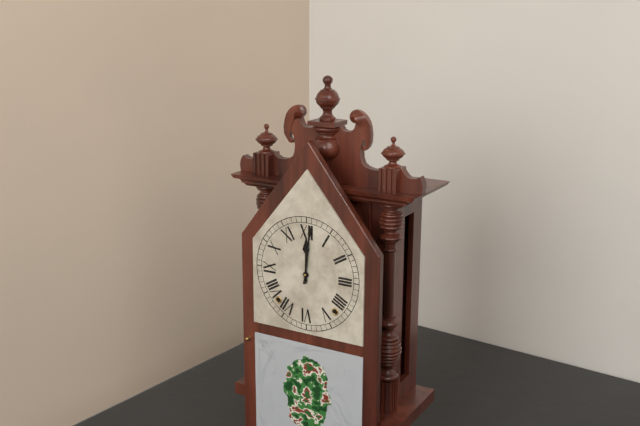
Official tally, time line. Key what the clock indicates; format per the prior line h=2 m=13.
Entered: h=12 m=1
